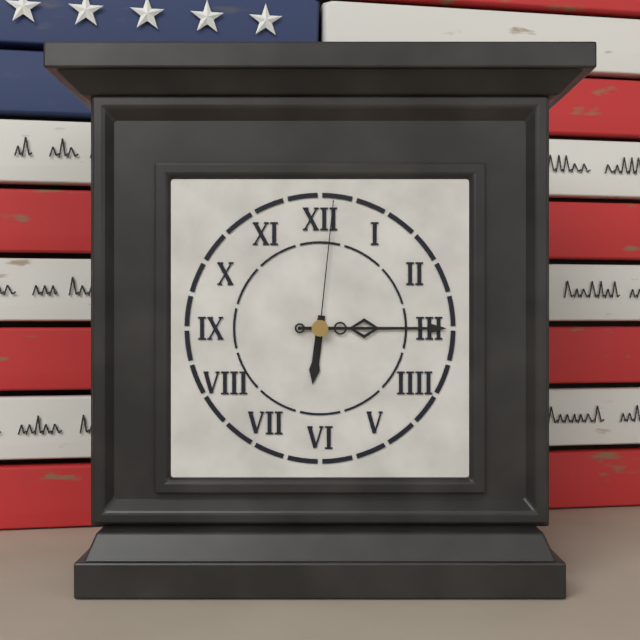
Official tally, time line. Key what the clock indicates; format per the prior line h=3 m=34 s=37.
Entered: h=6 m=15 s=1
